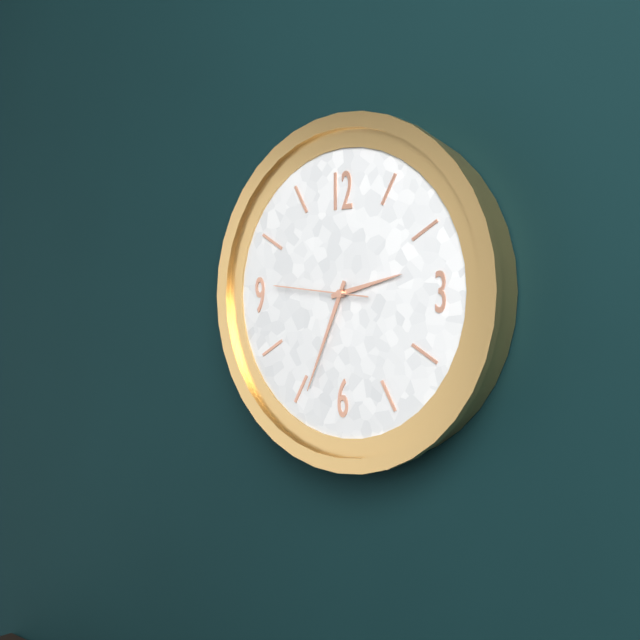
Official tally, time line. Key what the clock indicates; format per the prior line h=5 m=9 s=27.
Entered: h=2 m=34 s=46
